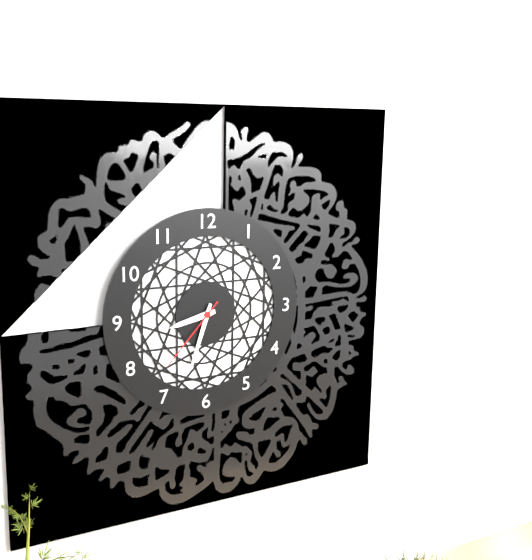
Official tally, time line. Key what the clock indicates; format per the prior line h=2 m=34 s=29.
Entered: h=8 m=33 s=37
